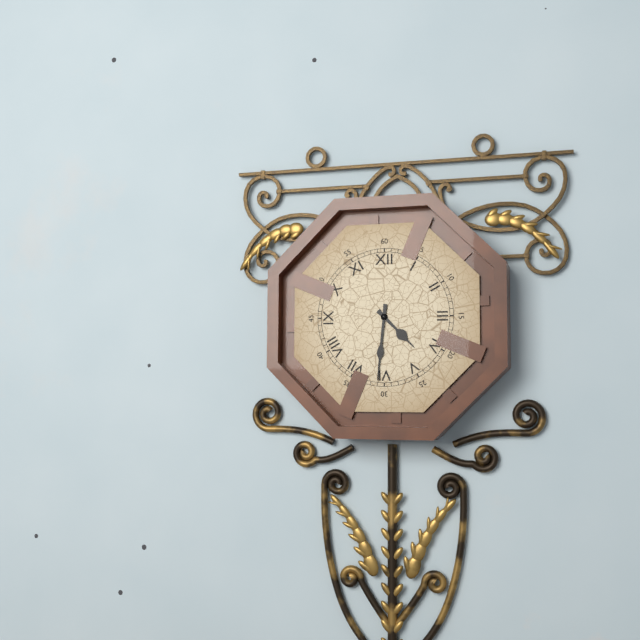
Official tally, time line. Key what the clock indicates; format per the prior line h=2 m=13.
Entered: h=4 m=31
